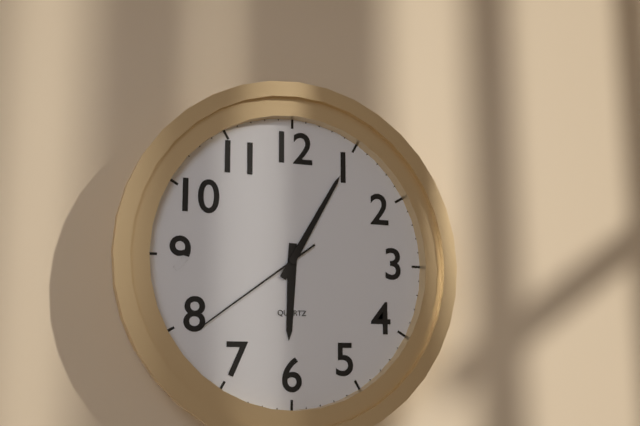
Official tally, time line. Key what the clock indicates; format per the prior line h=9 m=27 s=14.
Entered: h=6 m=5 s=39
